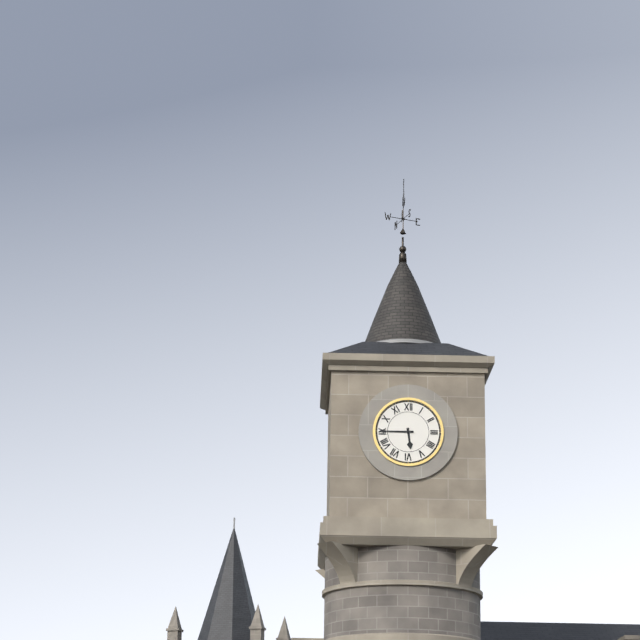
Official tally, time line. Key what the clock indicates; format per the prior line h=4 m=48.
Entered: h=5 m=45
